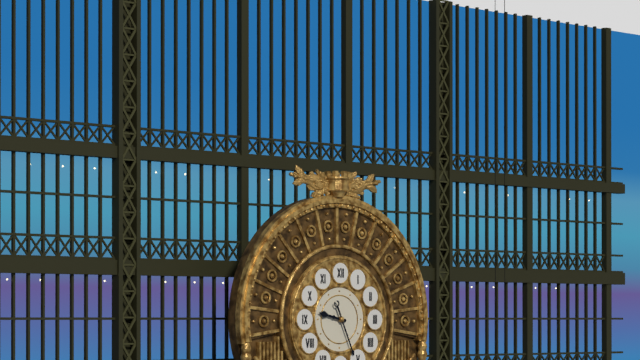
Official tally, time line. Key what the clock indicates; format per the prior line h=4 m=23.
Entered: h=9 m=26
